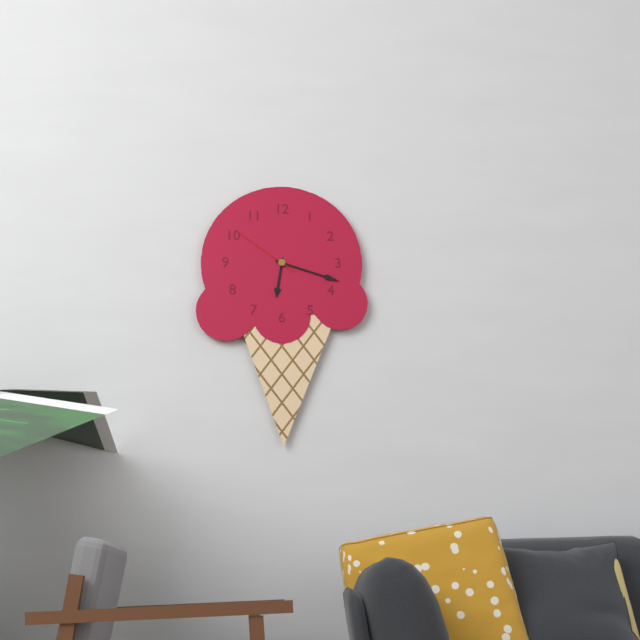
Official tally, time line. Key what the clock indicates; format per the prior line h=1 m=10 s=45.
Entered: h=6 m=18 s=51
